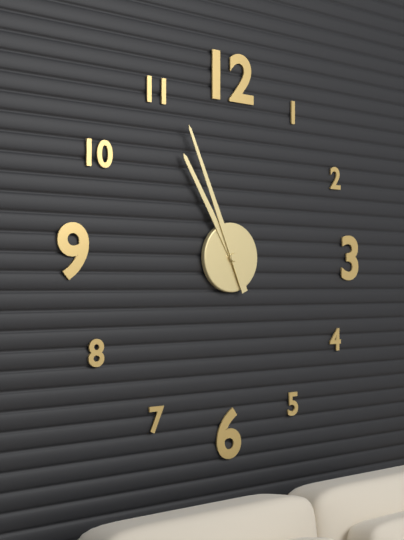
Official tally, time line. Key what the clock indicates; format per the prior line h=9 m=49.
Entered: h=10 m=56
